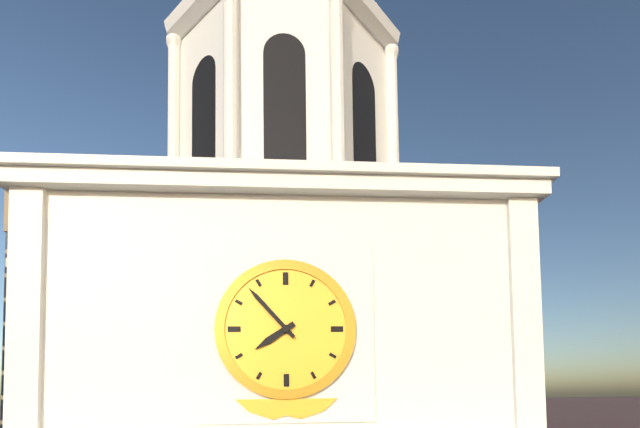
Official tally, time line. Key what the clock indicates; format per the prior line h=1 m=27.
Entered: h=7 m=53
